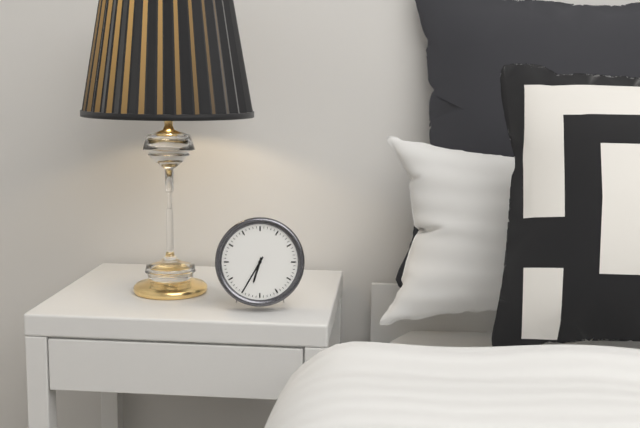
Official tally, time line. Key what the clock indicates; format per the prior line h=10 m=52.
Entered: h=6 m=35
